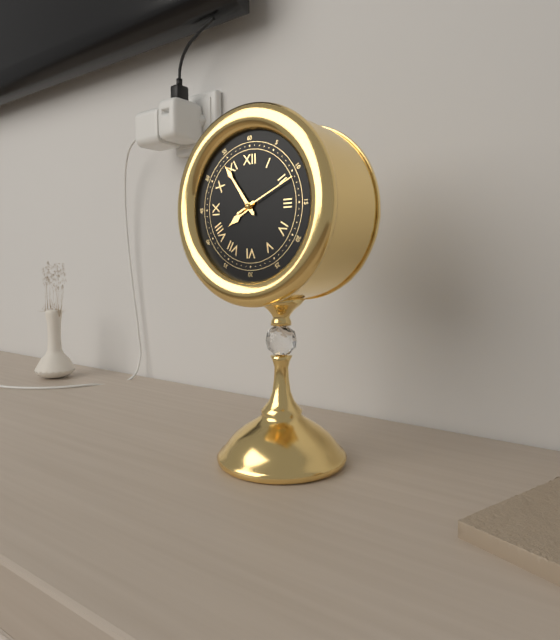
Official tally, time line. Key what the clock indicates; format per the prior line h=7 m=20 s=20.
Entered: h=7 m=54 s=11
